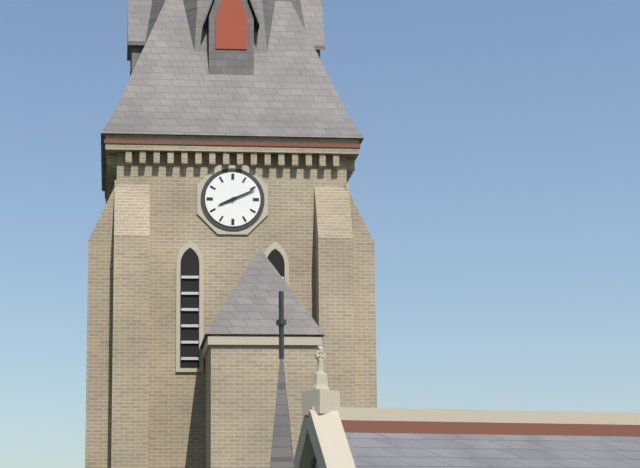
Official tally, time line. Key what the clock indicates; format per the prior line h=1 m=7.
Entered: h=8 m=11
